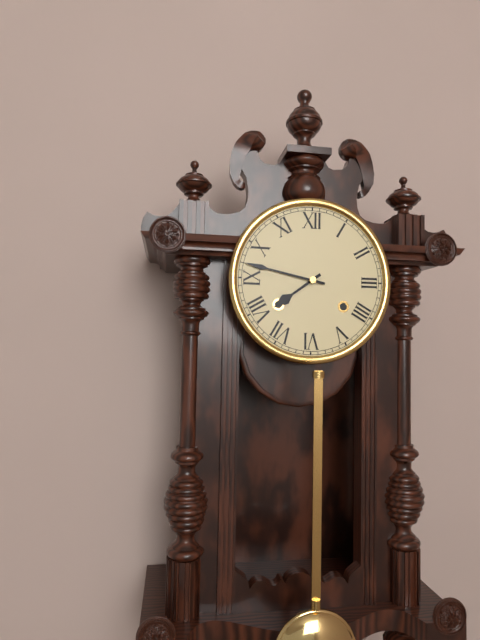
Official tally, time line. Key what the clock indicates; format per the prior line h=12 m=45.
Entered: h=7 m=47
